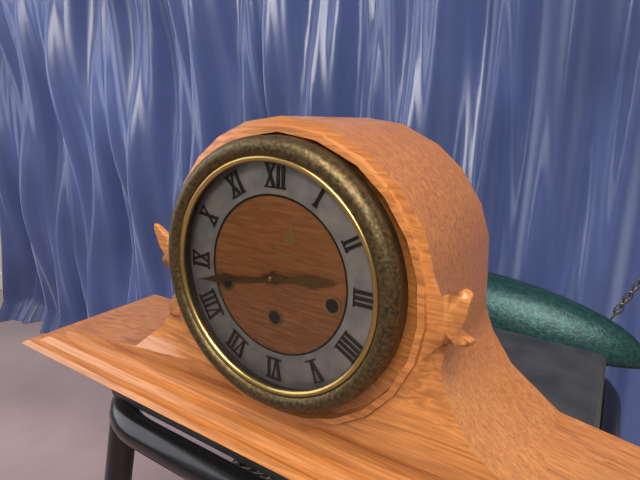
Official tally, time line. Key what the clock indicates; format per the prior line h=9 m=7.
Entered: h=2 m=43
